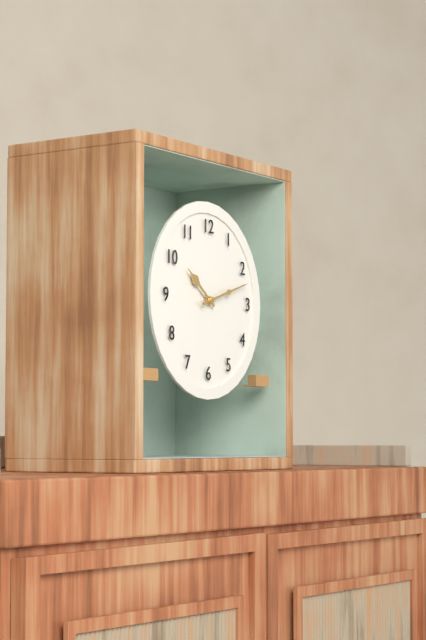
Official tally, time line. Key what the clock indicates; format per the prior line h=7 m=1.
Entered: h=10 m=12
